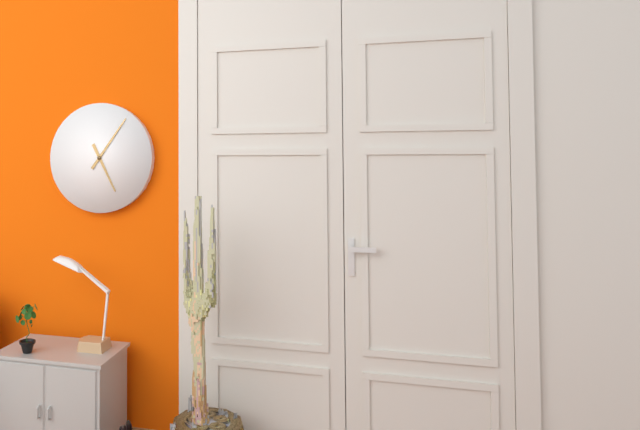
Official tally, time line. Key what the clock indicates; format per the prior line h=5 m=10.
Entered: h=5 m=6
